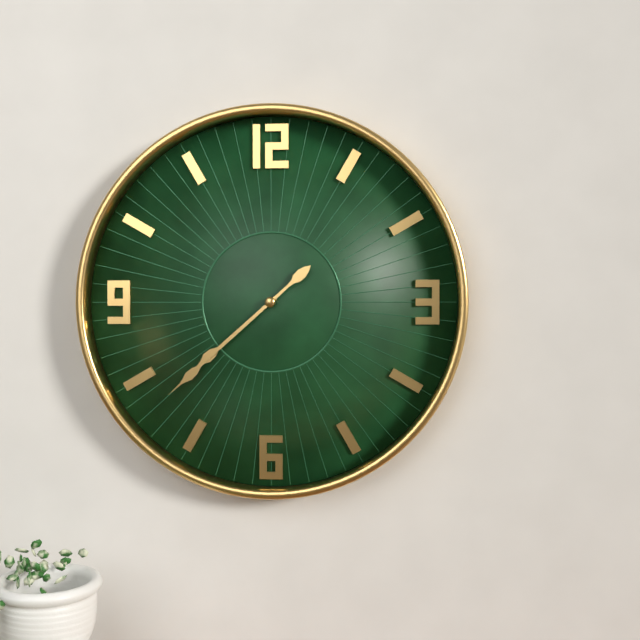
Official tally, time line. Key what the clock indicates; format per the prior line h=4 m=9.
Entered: h=7 m=38
